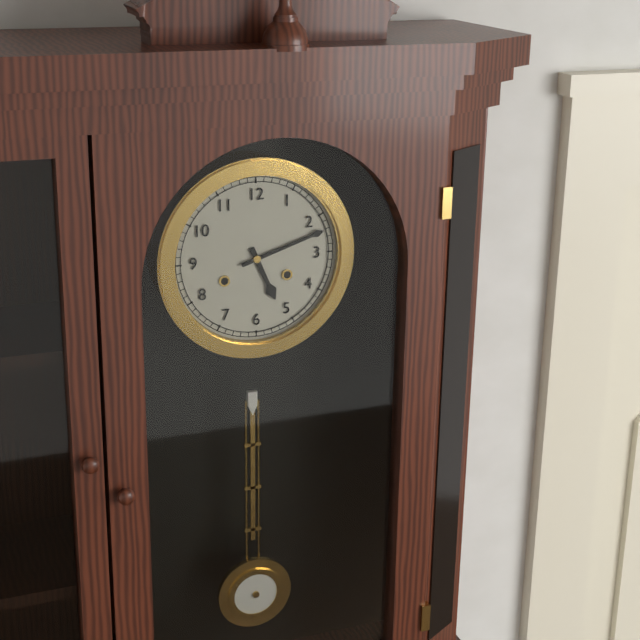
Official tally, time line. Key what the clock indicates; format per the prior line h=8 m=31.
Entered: h=5 m=12
